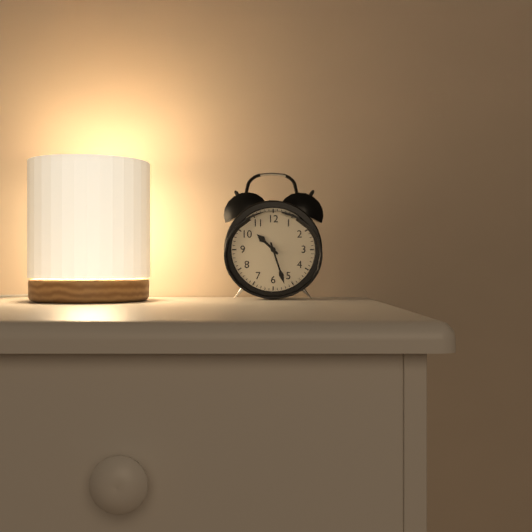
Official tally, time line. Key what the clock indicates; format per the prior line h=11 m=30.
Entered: h=10 m=27
